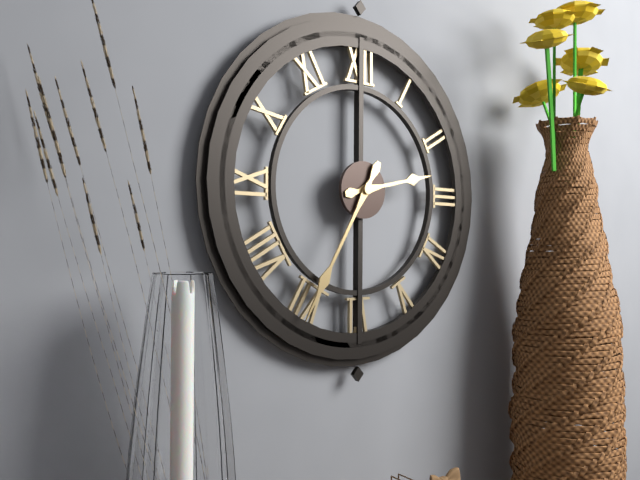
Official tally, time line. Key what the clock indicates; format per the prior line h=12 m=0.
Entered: h=2 m=35
